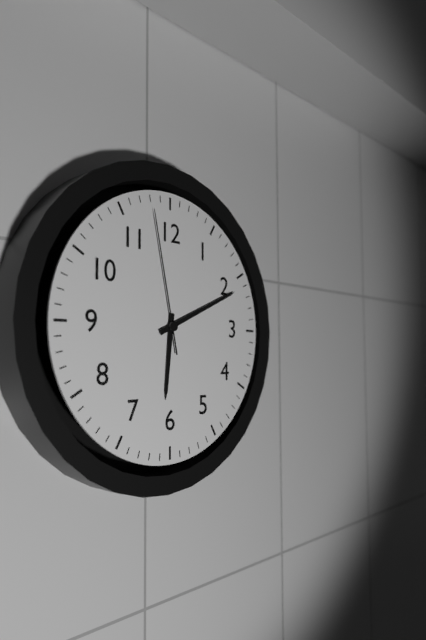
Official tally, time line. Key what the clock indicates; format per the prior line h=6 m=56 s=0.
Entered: h=6 m=11 s=58
